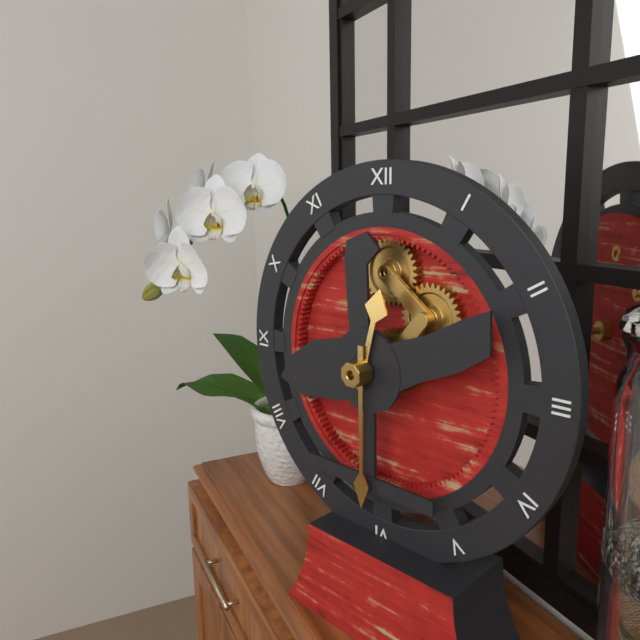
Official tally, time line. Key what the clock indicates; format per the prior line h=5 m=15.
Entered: h=12 m=30
